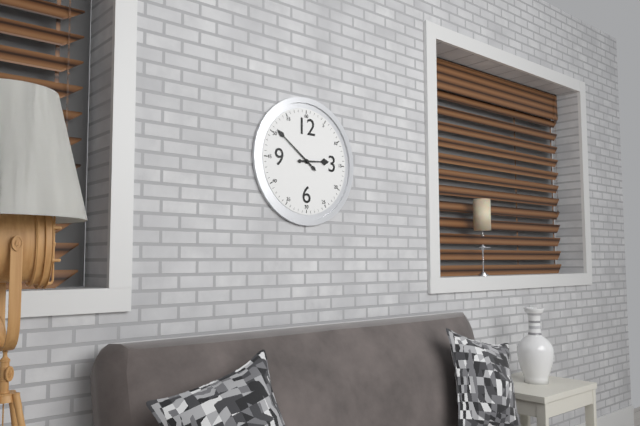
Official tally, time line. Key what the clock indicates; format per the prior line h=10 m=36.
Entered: h=2 m=51
